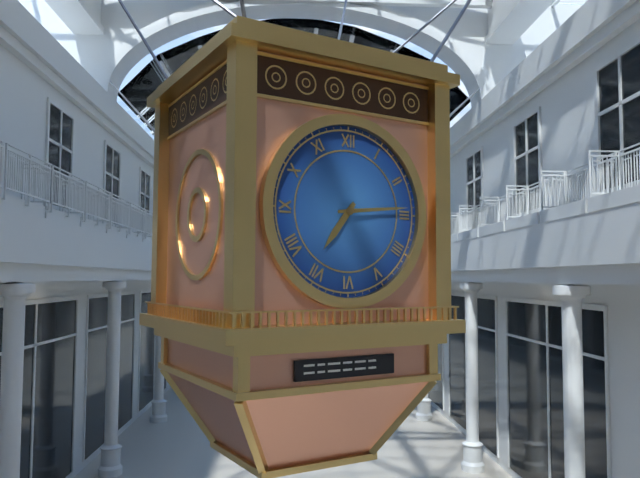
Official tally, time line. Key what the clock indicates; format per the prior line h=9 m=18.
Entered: h=7 m=14
